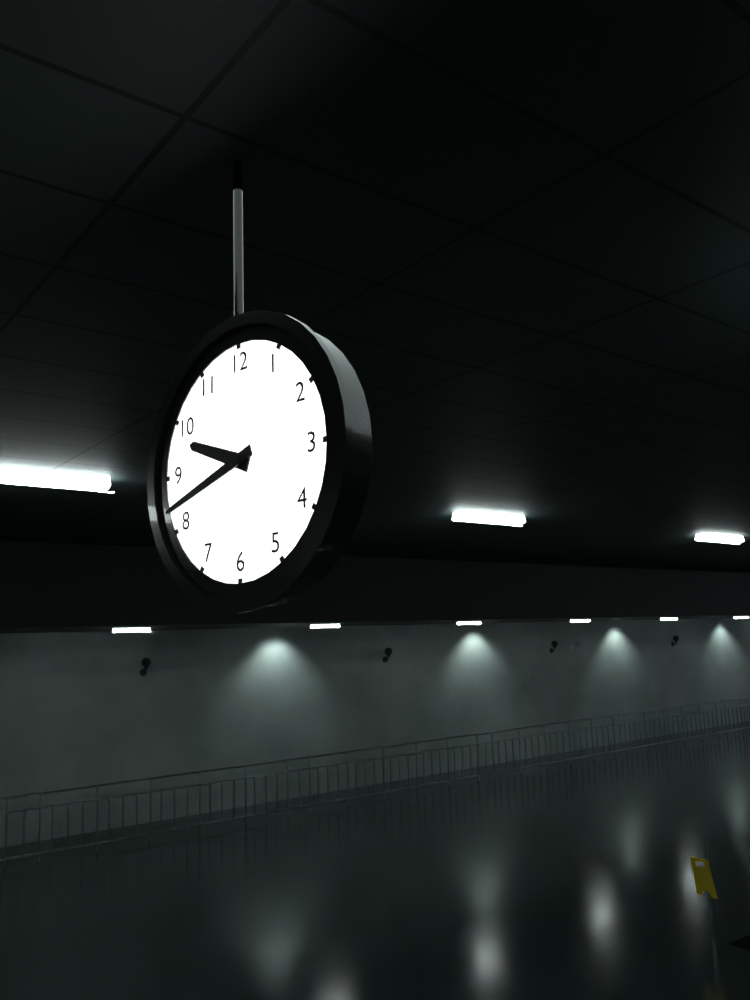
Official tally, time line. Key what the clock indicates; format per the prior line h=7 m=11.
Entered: h=9 m=42
